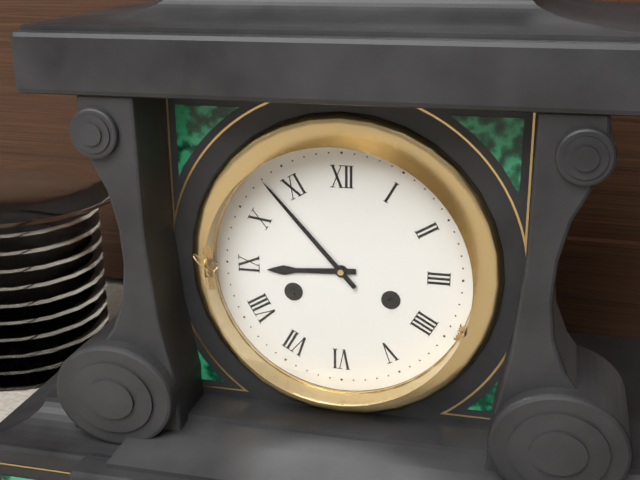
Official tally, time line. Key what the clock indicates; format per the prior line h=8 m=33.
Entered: h=8 m=53
